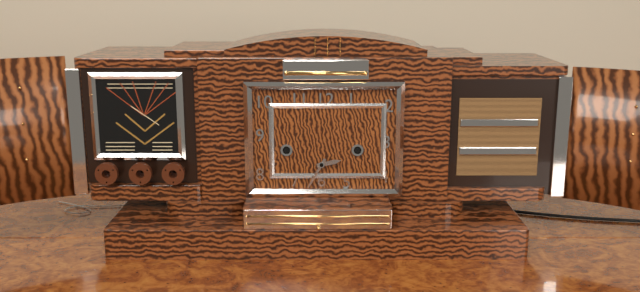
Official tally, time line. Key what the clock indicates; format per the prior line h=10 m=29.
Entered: h=2 m=35
